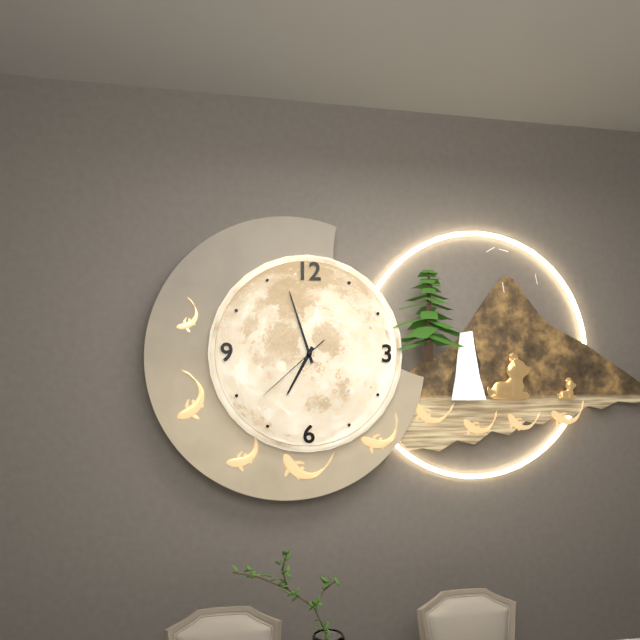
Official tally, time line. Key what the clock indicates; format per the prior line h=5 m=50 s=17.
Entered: h=6 m=57 s=38
